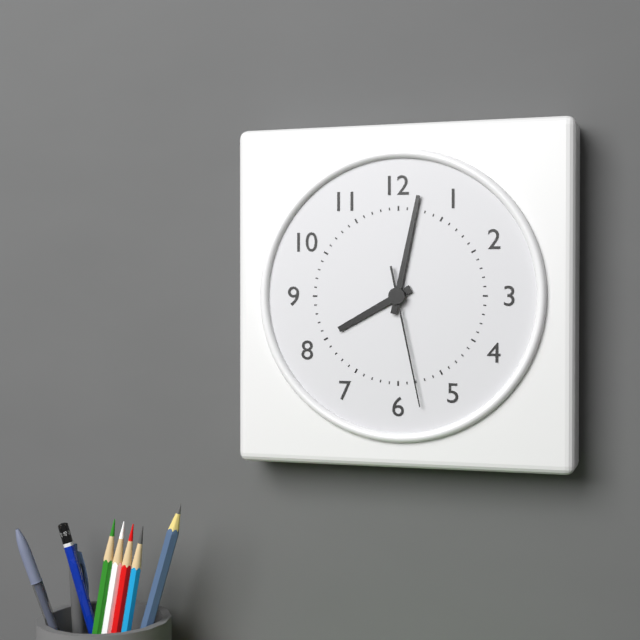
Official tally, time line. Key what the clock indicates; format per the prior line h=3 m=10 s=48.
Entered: h=8 m=2 s=28
